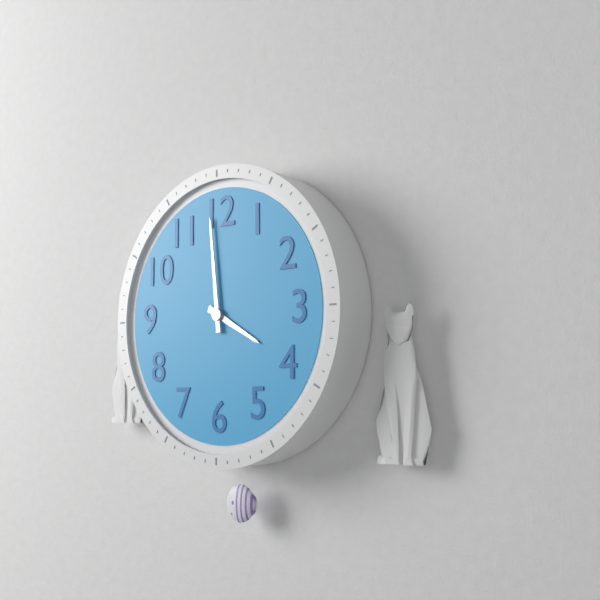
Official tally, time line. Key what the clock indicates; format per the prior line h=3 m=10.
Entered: h=3 m=59
